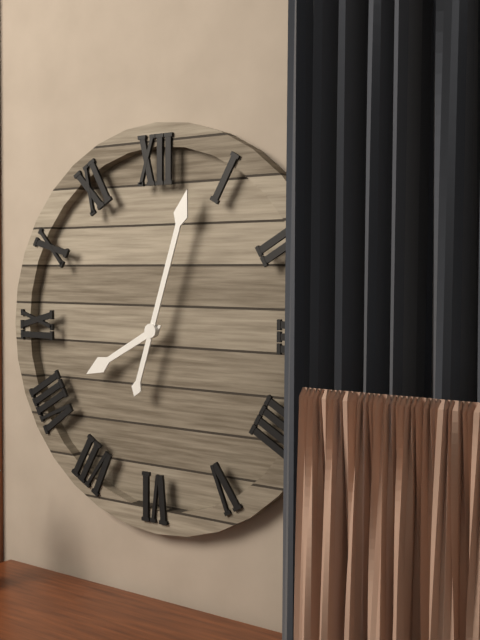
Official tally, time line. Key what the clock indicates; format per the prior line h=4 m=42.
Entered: h=8 m=3
